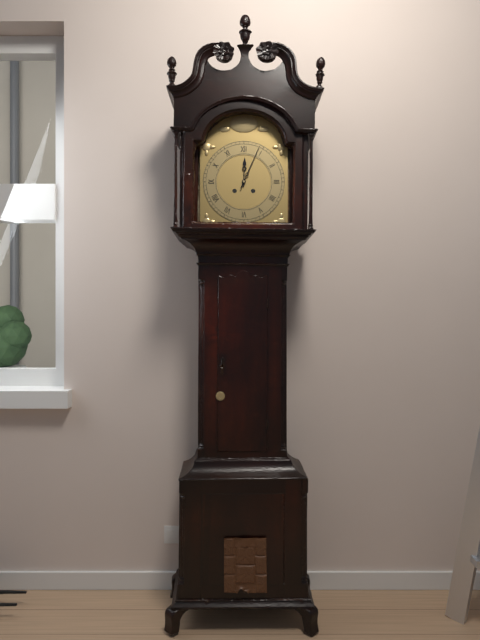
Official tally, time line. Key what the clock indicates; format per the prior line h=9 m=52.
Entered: h=12 m=4
